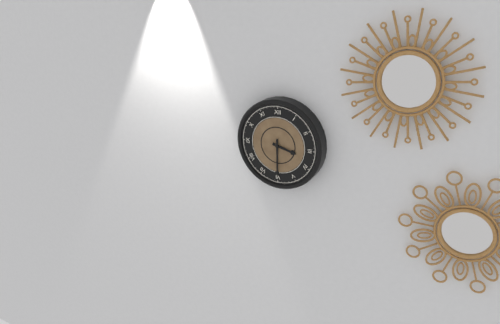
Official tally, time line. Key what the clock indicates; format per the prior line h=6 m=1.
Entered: h=3 m=30
